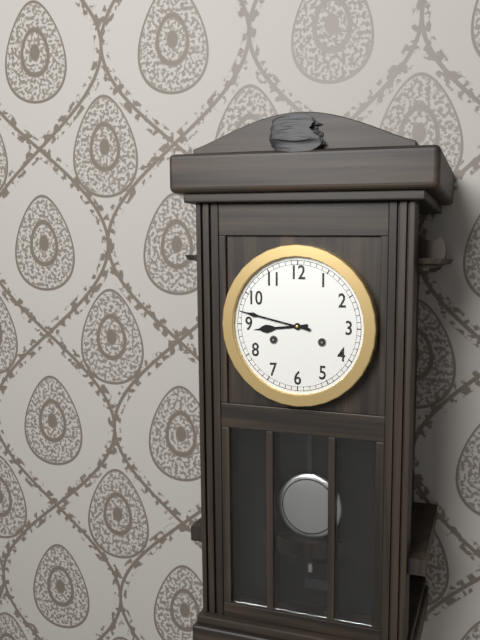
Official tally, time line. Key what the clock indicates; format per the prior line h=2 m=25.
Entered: h=8 m=47
